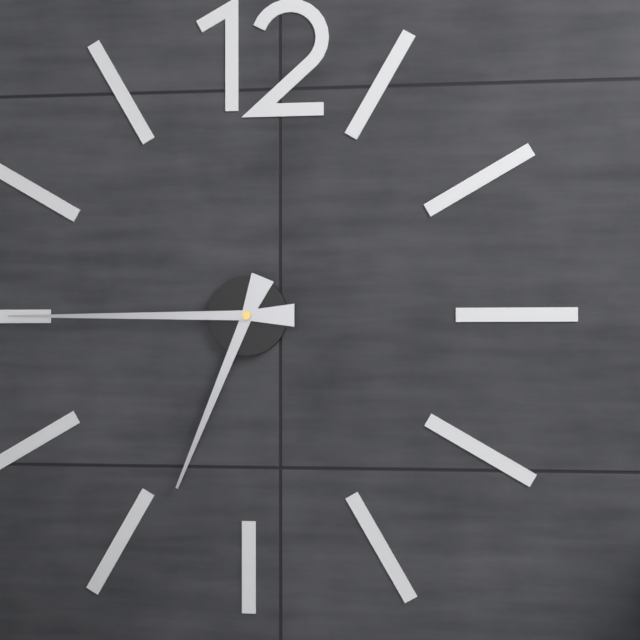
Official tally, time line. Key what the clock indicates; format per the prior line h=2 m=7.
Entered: h=6 m=45
